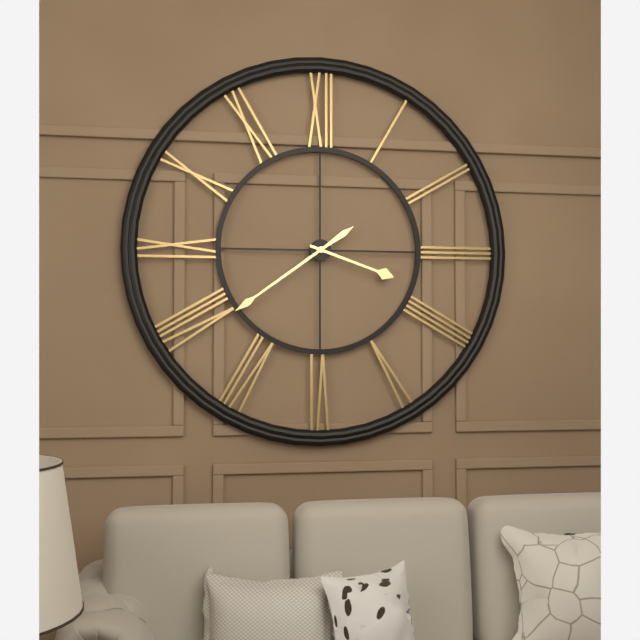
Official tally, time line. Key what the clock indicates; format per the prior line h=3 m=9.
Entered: h=3 m=39
